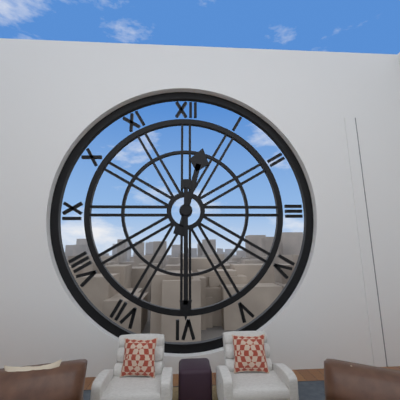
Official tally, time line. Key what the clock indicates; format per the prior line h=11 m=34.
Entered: h=12 m=30
